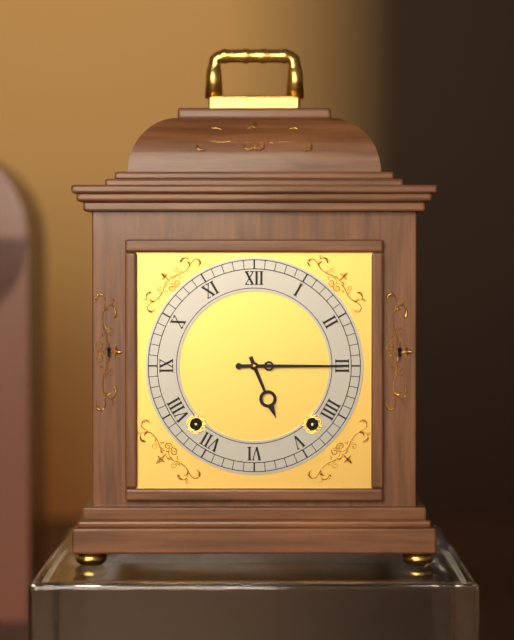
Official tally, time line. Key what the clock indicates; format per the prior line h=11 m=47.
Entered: h=5 m=15
